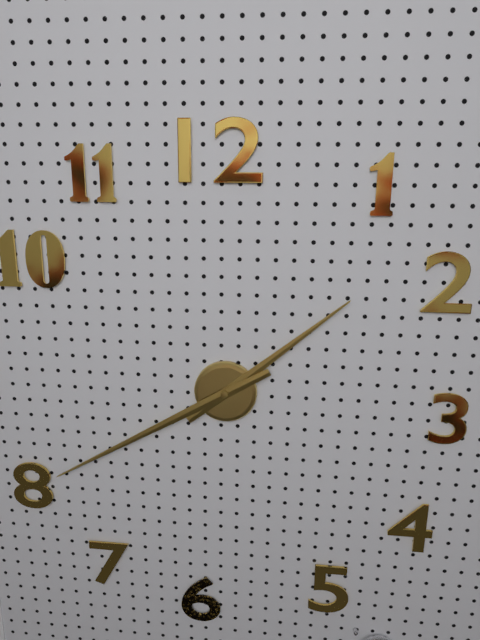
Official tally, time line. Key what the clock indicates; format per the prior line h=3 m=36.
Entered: h=1 m=40
